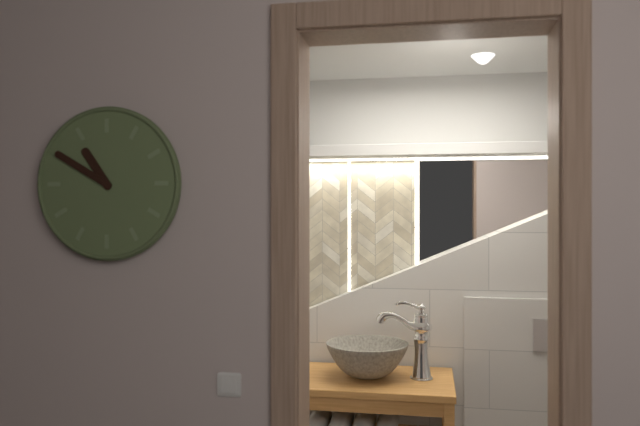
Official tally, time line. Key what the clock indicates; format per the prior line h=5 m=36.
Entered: h=10 m=50
